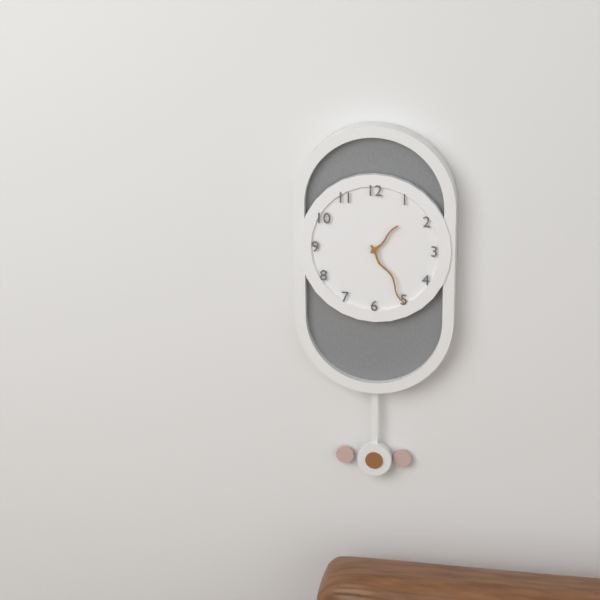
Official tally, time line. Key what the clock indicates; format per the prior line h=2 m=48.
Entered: h=1 m=25
